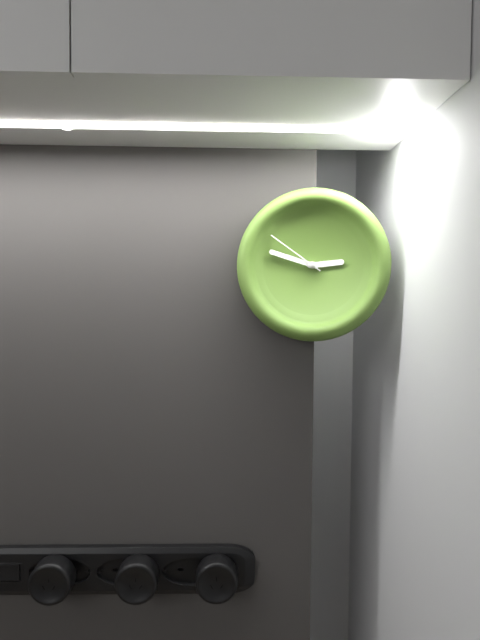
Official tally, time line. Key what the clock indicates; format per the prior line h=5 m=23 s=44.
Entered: h=2 m=48 s=51
